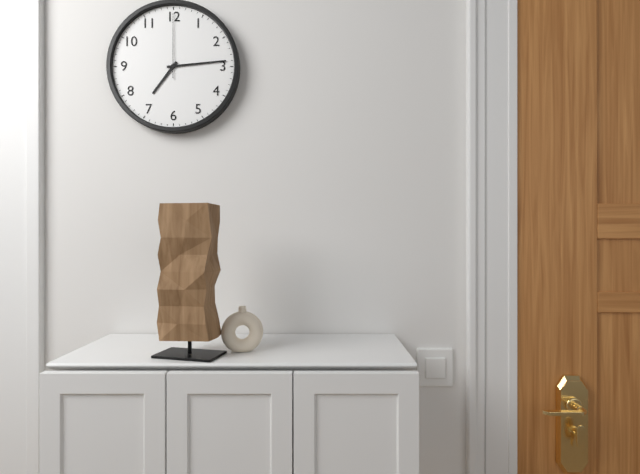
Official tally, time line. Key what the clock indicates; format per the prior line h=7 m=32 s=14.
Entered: h=7 m=14 s=0
